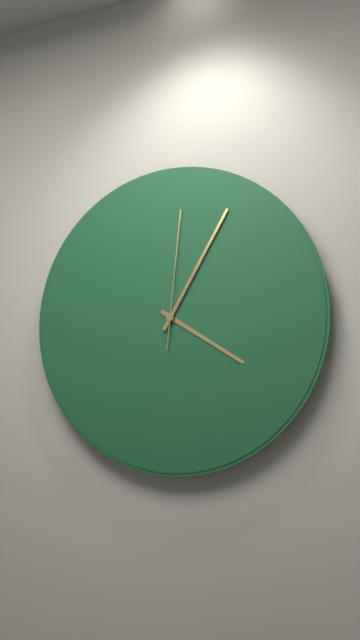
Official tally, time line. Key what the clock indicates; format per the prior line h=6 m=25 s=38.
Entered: h=4 m=5 s=1
